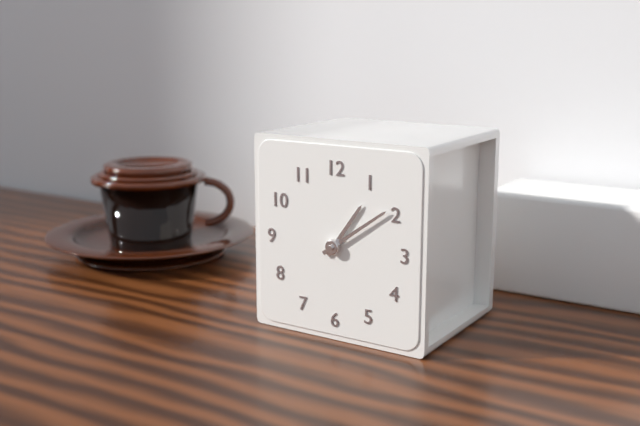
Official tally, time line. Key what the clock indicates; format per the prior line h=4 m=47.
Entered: h=1 m=9
